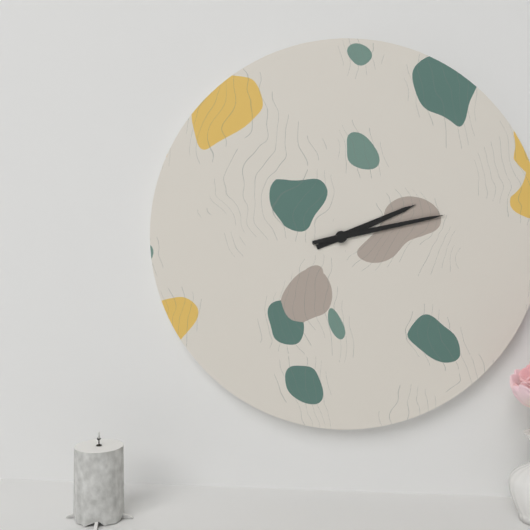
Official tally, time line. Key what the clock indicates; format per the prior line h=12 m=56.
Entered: h=2 m=13
